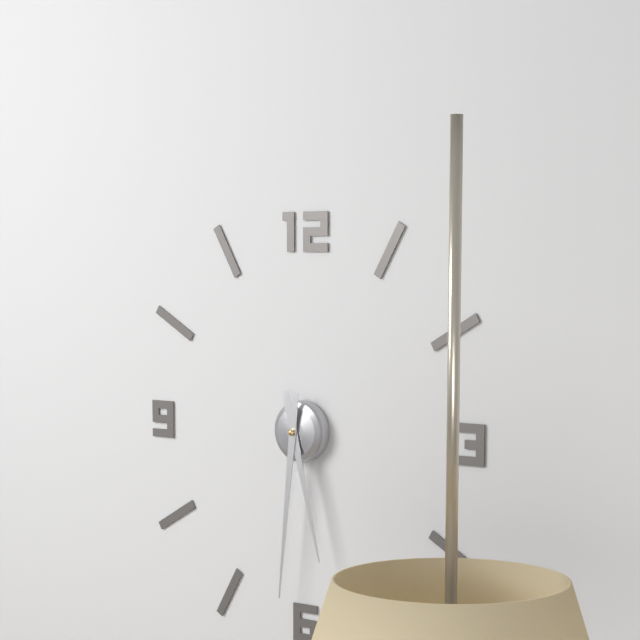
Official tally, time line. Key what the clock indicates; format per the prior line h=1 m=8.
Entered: h=5 m=31
